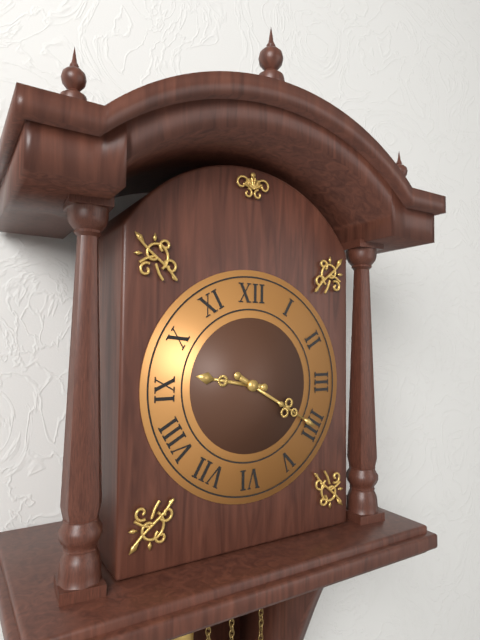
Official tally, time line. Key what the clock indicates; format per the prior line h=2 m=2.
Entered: h=9 m=20
